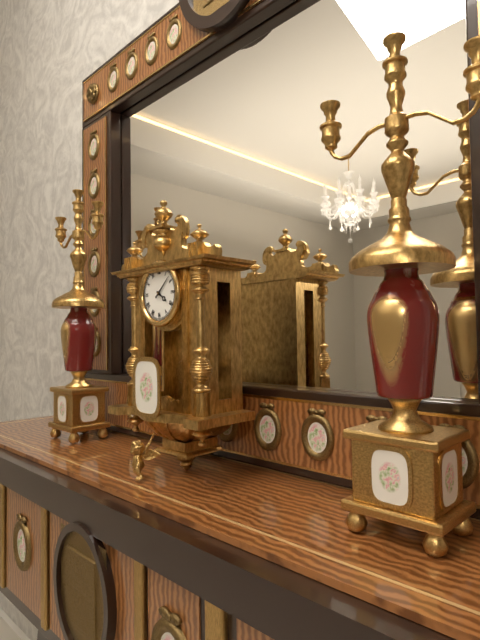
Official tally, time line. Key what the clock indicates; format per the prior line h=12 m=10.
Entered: h=4 m=8
